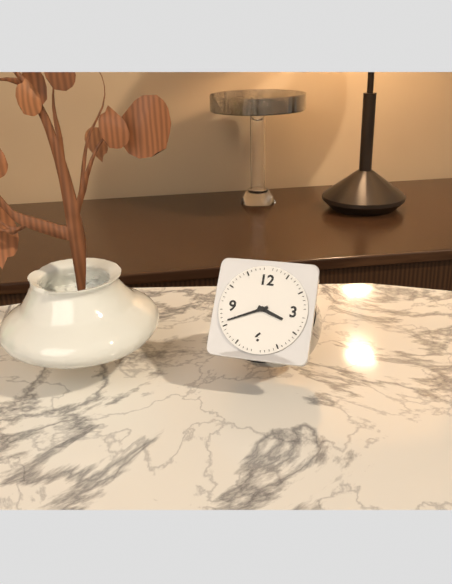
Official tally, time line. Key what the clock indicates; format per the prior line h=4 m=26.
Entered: h=3 m=41
